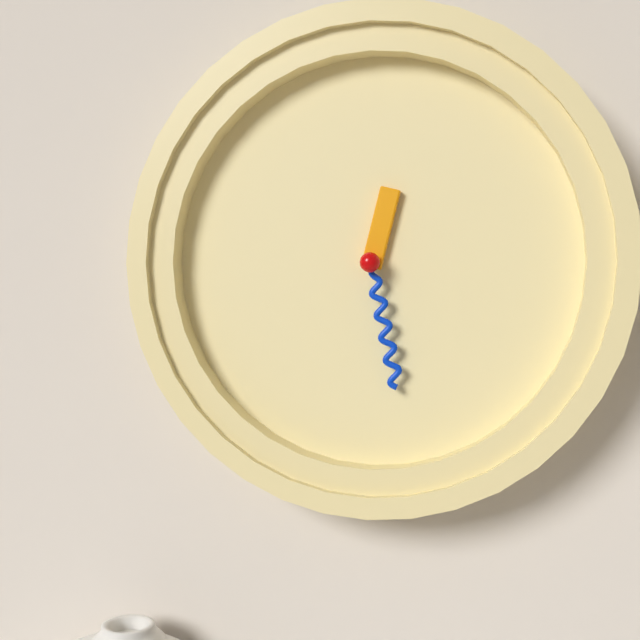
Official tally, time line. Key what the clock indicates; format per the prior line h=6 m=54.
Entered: h=12 m=28
